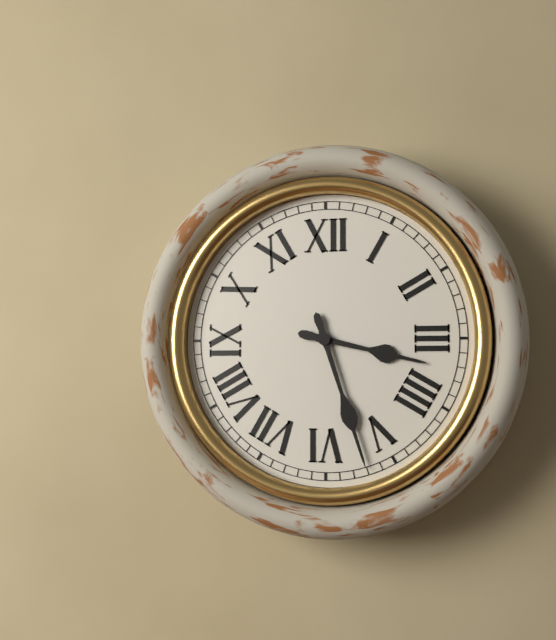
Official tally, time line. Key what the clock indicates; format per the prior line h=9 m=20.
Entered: h=3 m=27
